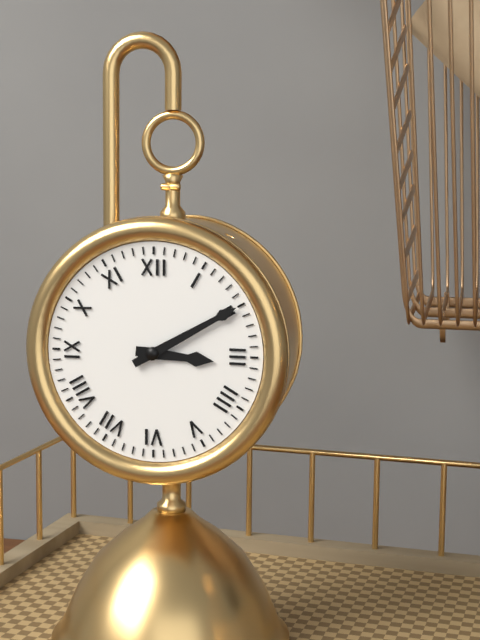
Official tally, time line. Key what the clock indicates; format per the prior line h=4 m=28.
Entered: h=3 m=10
